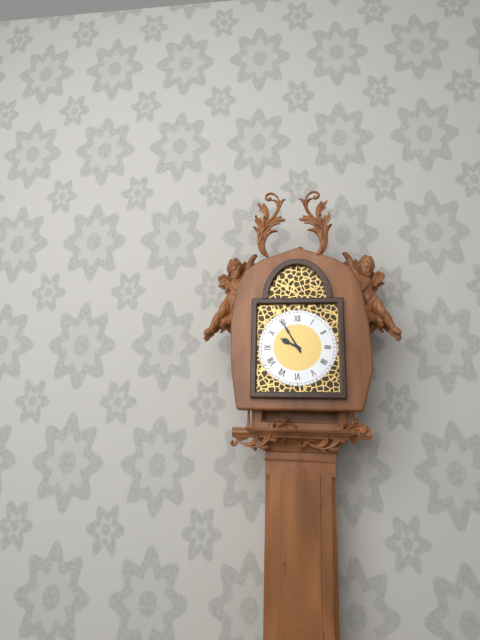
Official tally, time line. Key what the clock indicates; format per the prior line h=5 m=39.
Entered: h=9 m=55
